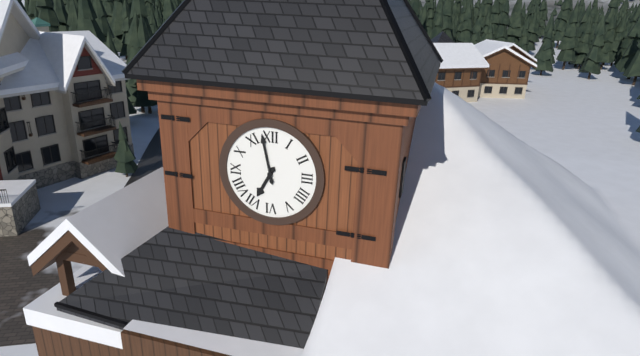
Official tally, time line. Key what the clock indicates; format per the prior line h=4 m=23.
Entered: h=6 m=58
